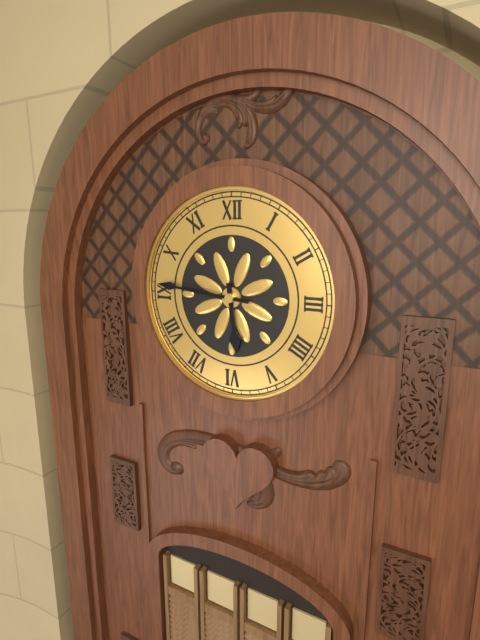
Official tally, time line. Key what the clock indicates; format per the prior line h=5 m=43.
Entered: h=5 m=46
